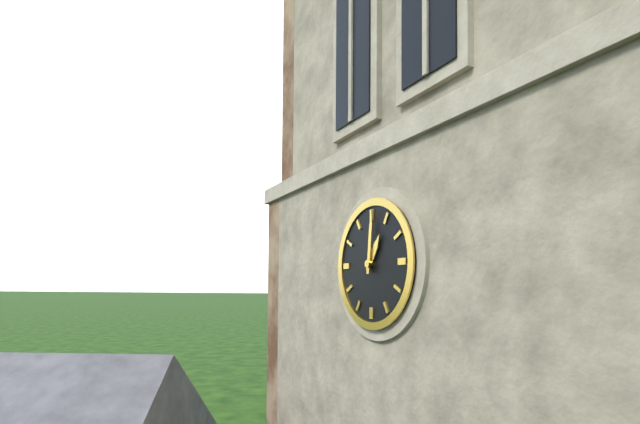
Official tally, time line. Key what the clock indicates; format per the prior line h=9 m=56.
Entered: h=1 m=1
